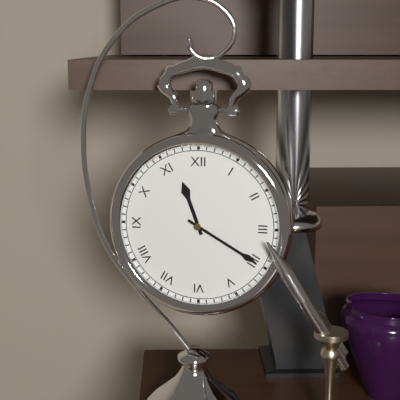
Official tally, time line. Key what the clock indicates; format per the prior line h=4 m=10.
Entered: h=11 m=20
